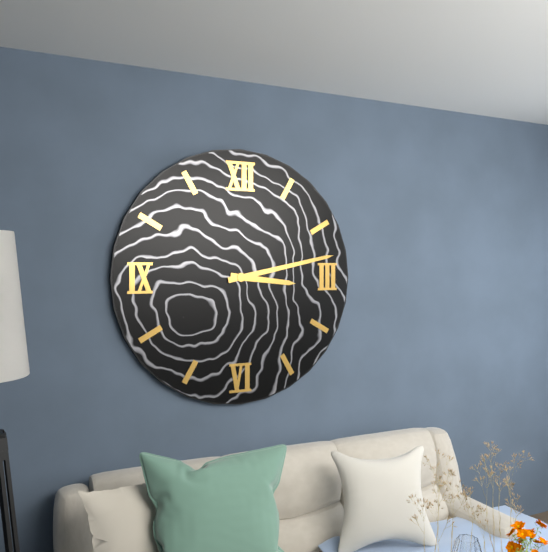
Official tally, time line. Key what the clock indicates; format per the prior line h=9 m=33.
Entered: h=3 m=13
